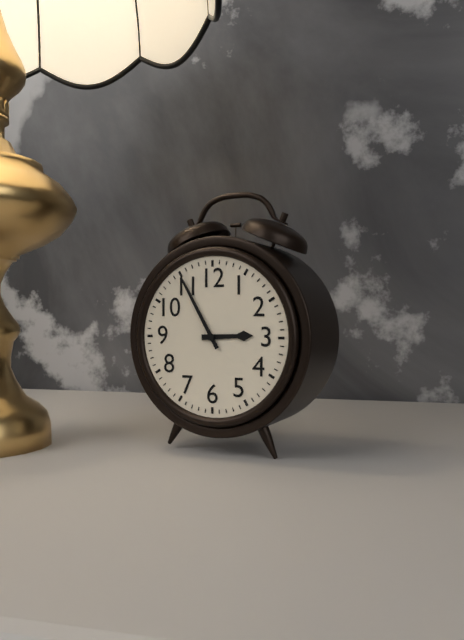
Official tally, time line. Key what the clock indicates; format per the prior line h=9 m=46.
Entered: h=2 m=55
